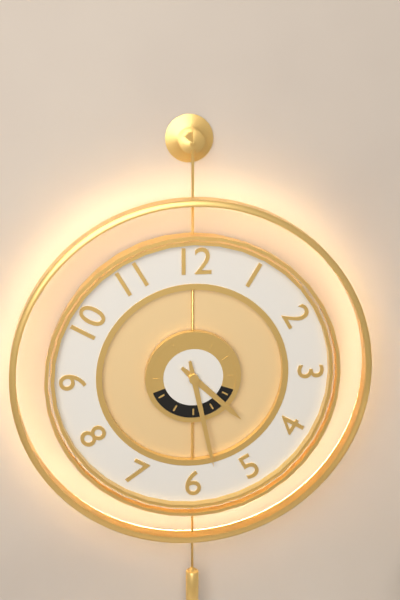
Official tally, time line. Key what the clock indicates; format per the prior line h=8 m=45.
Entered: h=4 m=28
